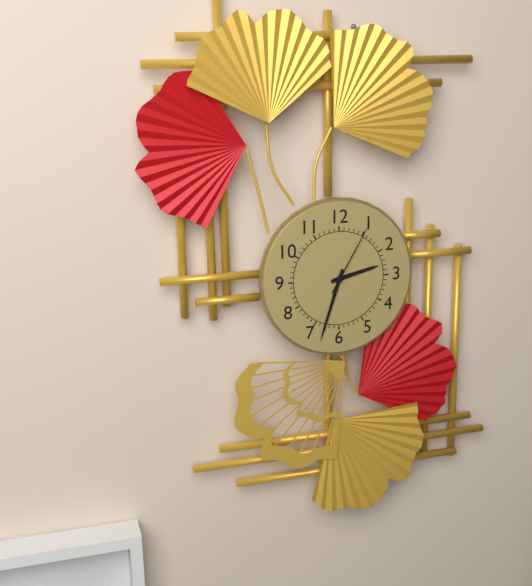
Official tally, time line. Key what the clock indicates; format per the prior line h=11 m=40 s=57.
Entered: h=2 m=33 s=5
